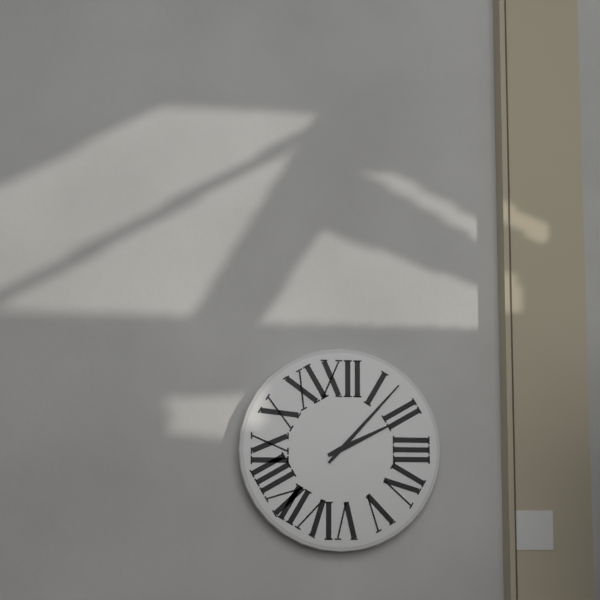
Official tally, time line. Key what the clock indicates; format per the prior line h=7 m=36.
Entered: h=2 m=7
